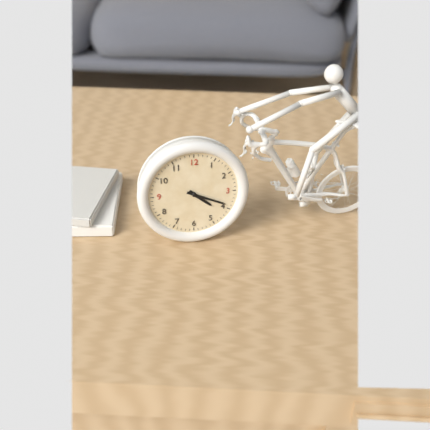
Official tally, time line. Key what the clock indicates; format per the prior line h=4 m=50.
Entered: h=4 m=19
